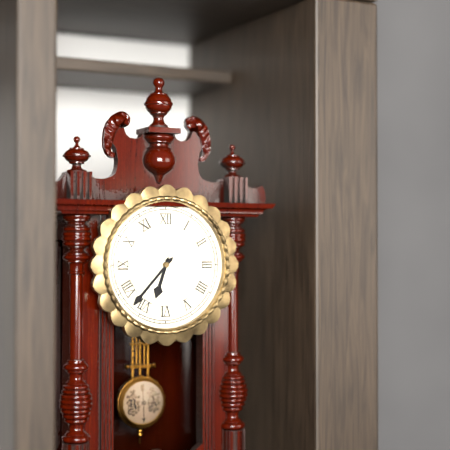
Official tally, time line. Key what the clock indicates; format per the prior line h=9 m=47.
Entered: h=6 m=37
